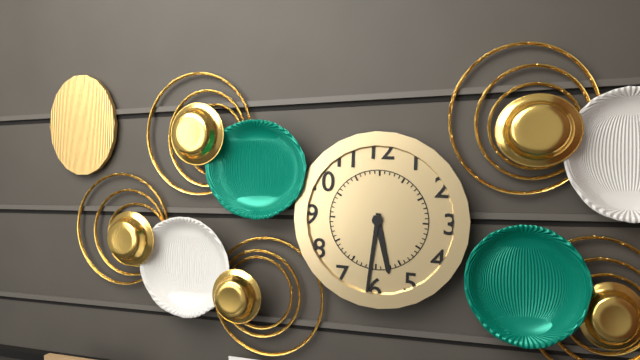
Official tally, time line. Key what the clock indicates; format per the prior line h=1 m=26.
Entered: h=5 m=31
